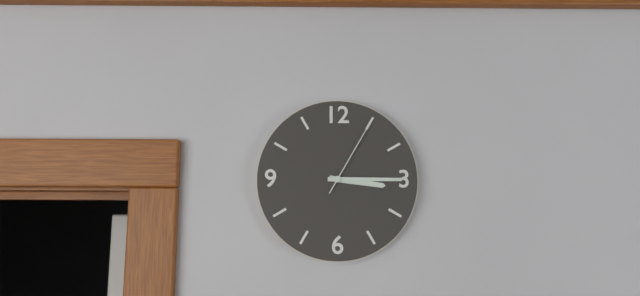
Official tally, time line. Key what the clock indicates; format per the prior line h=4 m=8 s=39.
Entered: h=3 m=15 s=5
